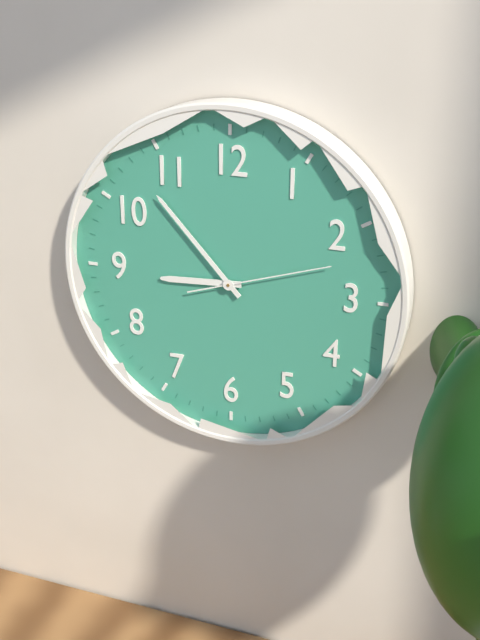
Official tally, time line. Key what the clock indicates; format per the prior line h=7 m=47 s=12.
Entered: h=8 m=53 s=12
